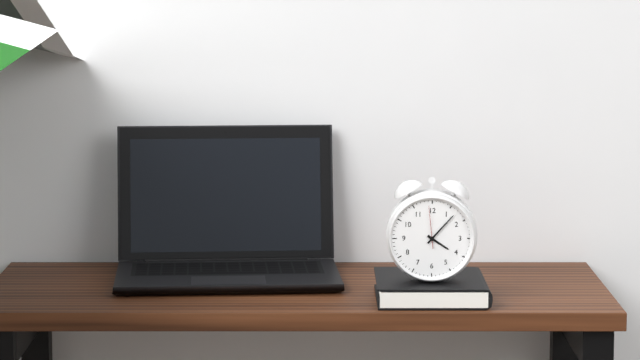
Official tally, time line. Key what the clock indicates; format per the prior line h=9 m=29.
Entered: h=4 m=7
